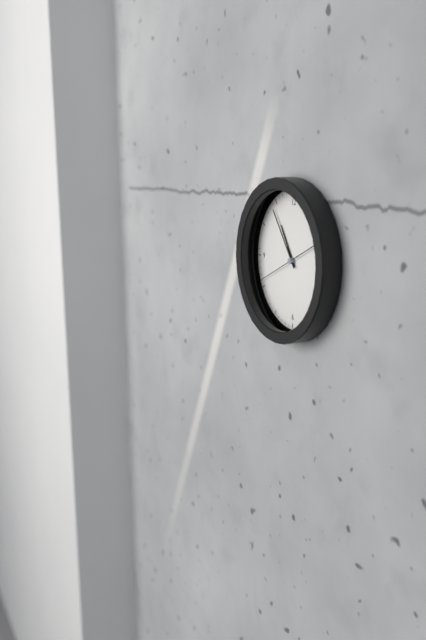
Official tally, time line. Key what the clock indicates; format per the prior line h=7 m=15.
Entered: h=10 m=54
